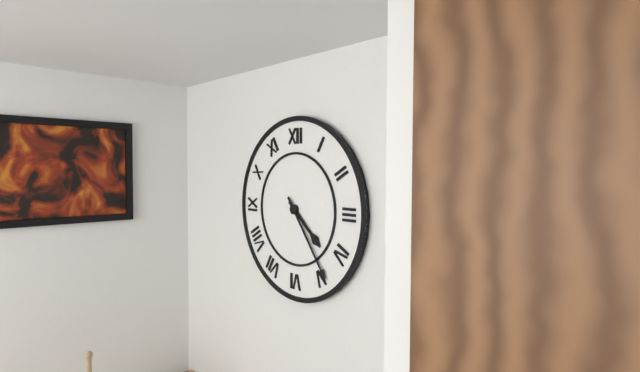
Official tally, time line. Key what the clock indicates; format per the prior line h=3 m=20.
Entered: h=4 m=24
